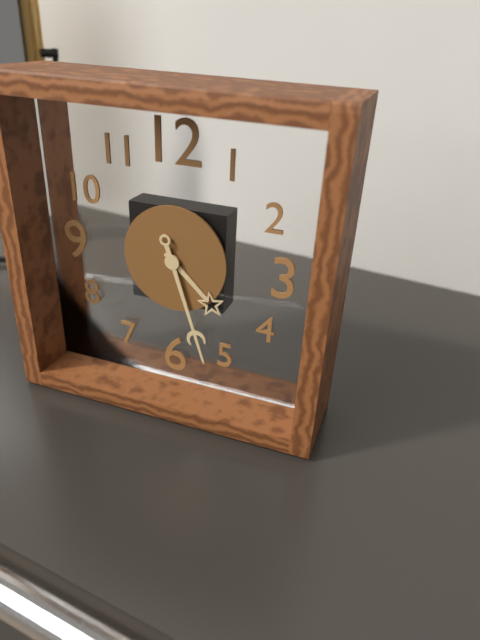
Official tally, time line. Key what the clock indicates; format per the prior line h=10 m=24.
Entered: h=4 m=27
